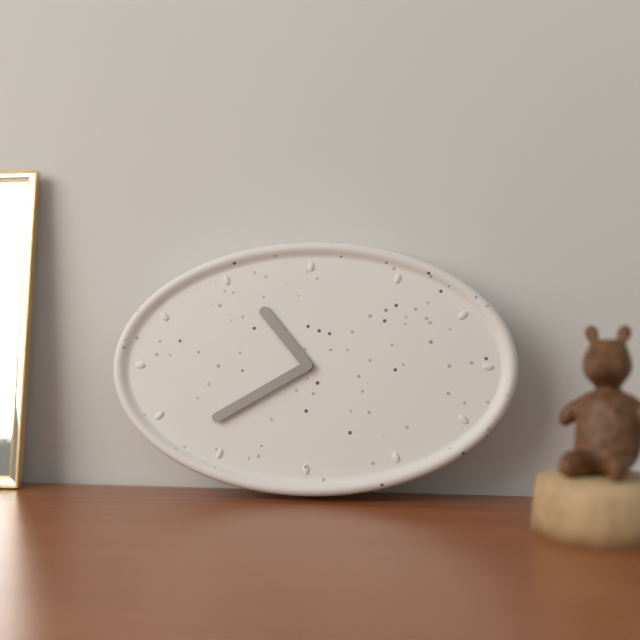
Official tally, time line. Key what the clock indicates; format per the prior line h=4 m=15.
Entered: h=10 m=40
